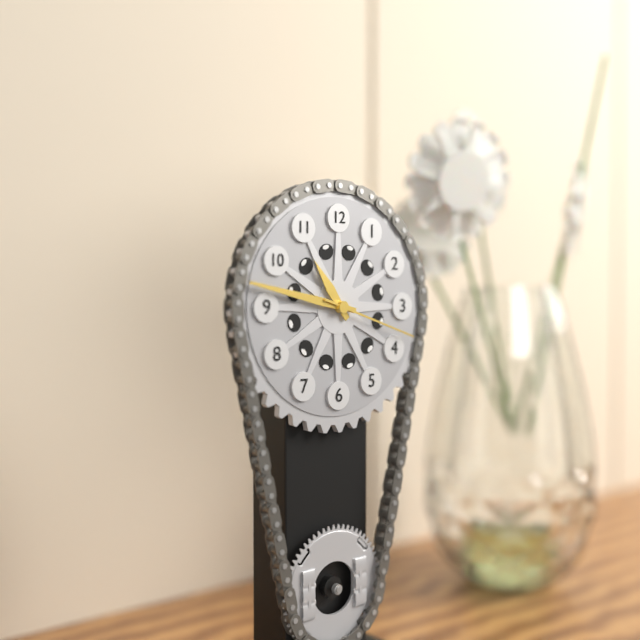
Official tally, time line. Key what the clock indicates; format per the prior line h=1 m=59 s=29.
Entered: h=10 m=47 s=18
